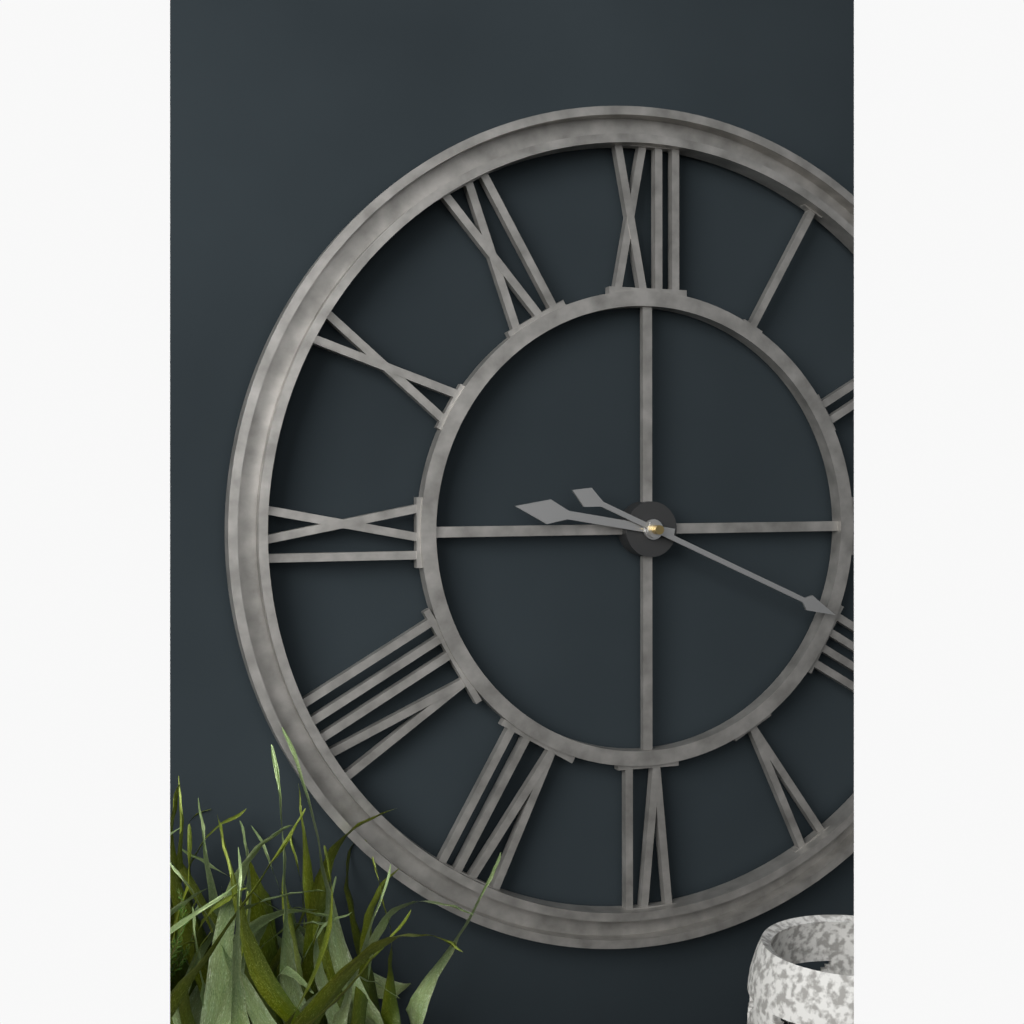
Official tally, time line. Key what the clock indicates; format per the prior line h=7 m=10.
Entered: h=9 m=19
